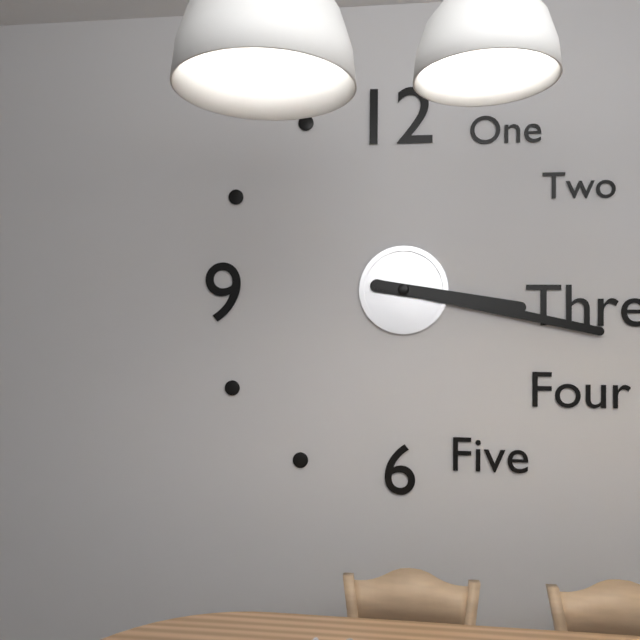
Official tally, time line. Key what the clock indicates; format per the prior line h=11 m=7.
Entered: h=3 m=17
